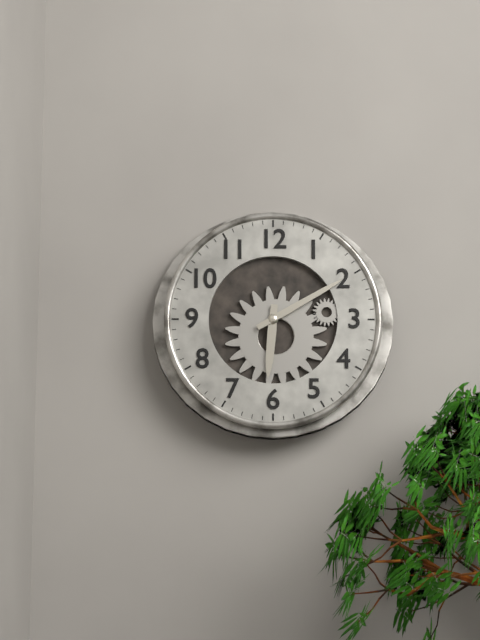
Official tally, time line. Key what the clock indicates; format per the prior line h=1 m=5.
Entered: h=6 m=10
